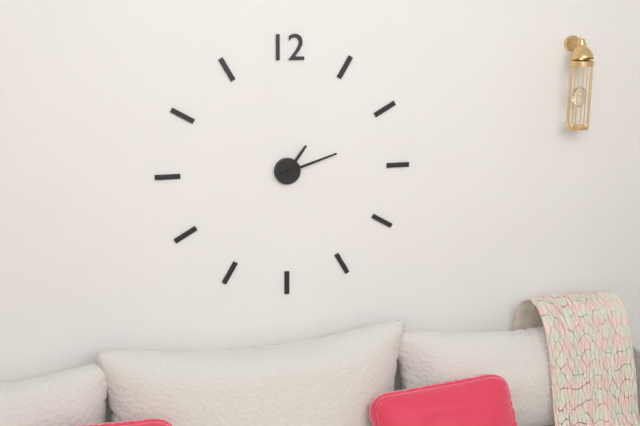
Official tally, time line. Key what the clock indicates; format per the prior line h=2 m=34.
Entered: h=1 m=12
